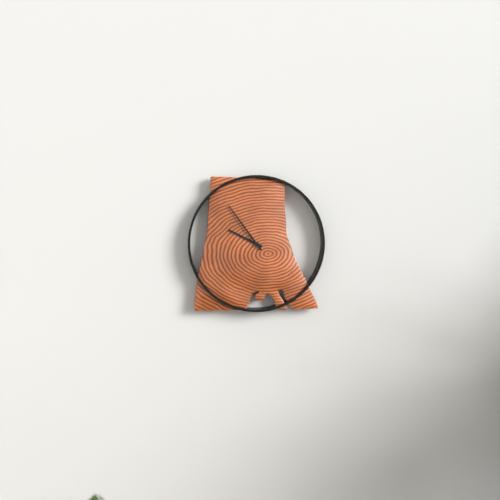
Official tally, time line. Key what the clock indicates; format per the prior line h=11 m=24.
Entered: h=9 m=54
